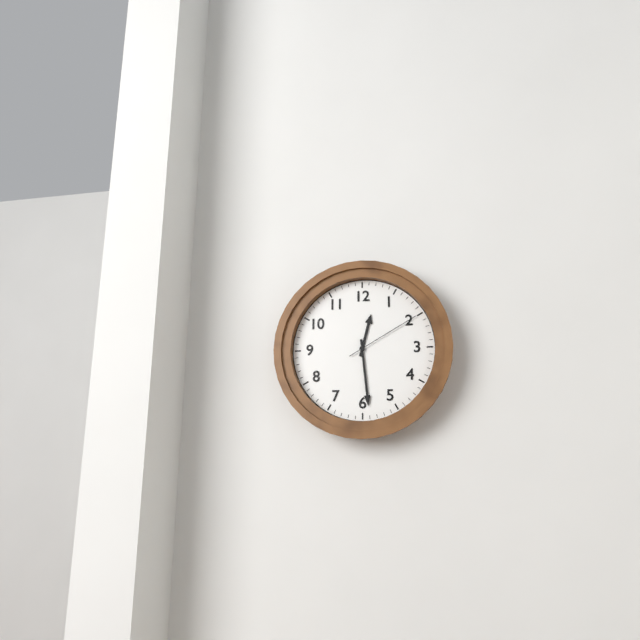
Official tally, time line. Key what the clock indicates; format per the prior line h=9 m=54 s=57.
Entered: h=12 m=29 s=10
